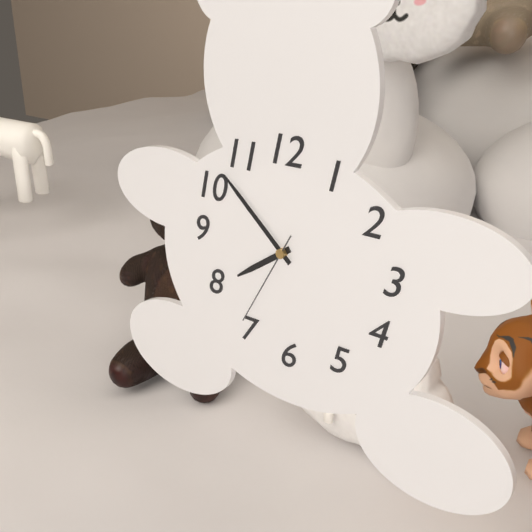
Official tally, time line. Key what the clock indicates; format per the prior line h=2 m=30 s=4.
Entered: h=7 m=52 s=35
